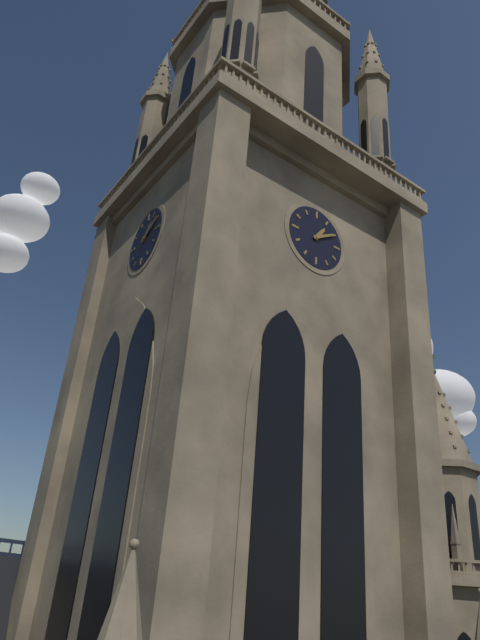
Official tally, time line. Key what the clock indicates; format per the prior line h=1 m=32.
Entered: h=1 m=10
